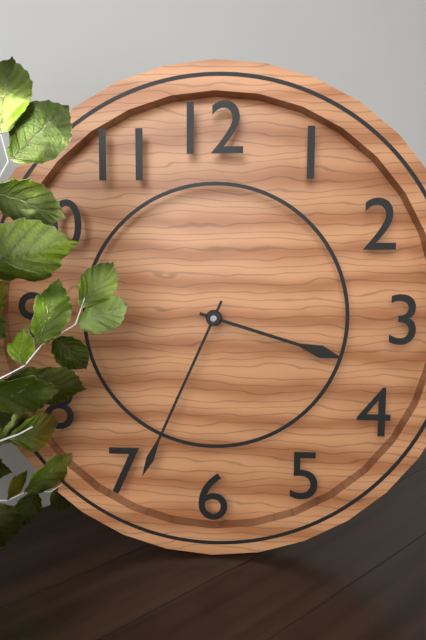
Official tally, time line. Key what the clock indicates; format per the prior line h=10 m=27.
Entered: h=3 m=34
